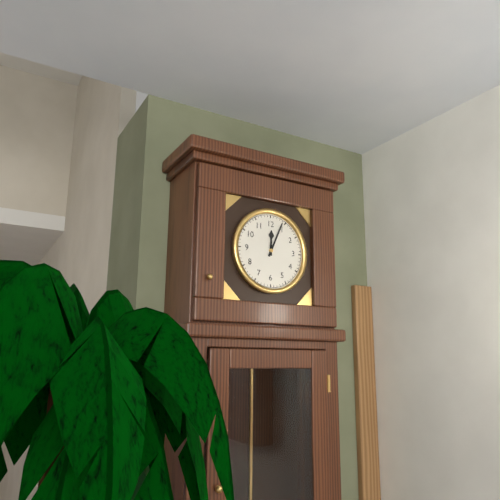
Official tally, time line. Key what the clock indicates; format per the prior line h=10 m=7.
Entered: h=12 m=4
